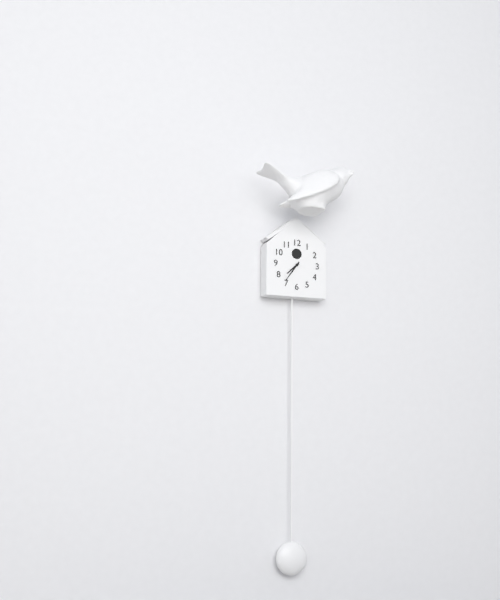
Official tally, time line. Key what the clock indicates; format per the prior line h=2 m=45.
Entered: h=7 m=36
